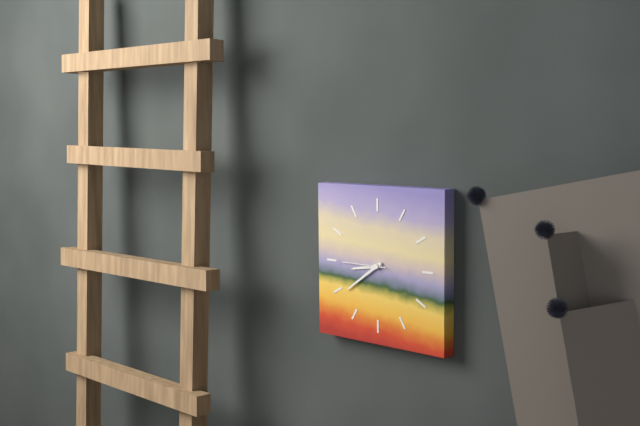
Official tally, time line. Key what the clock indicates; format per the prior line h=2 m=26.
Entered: h=8 m=39
